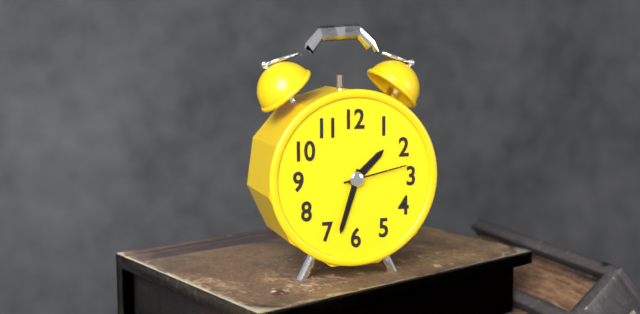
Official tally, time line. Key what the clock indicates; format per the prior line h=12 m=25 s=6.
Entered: h=1 m=33 s=13
